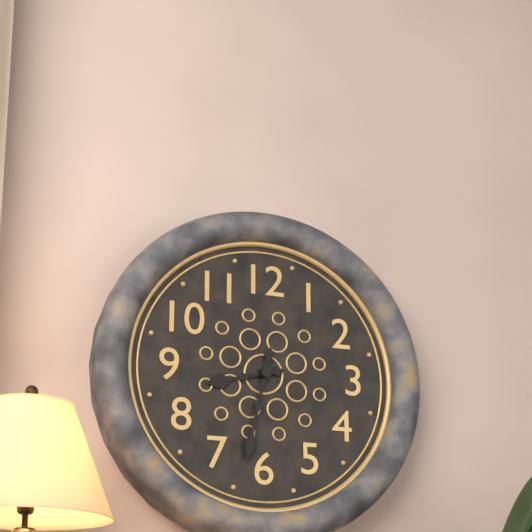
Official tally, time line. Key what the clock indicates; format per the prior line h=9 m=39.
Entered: h=8 m=32
